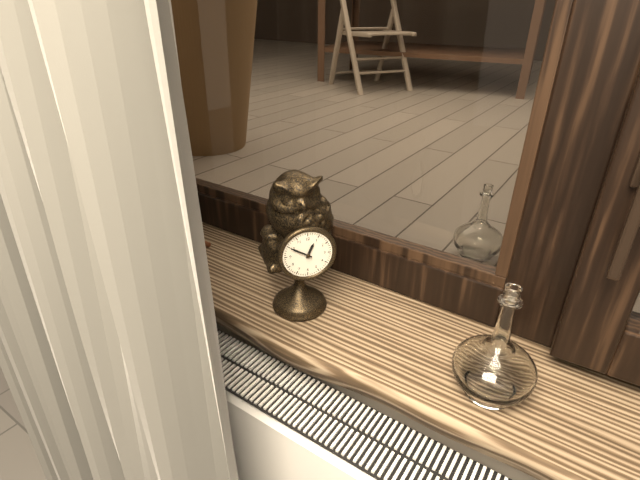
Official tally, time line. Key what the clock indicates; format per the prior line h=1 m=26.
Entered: h=12 m=50
